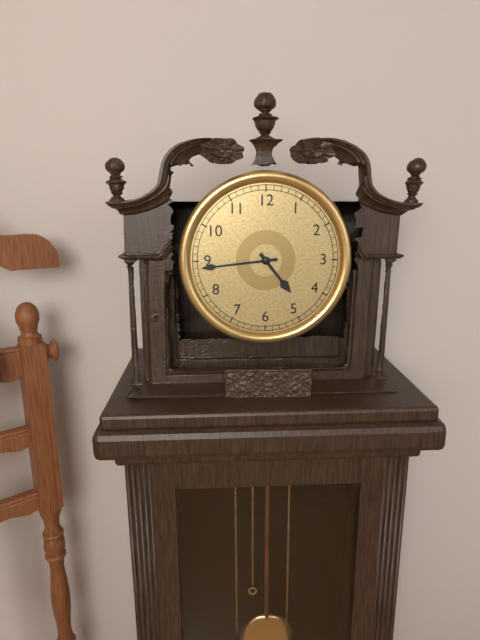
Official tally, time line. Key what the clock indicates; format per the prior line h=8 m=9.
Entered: h=4 m=44
